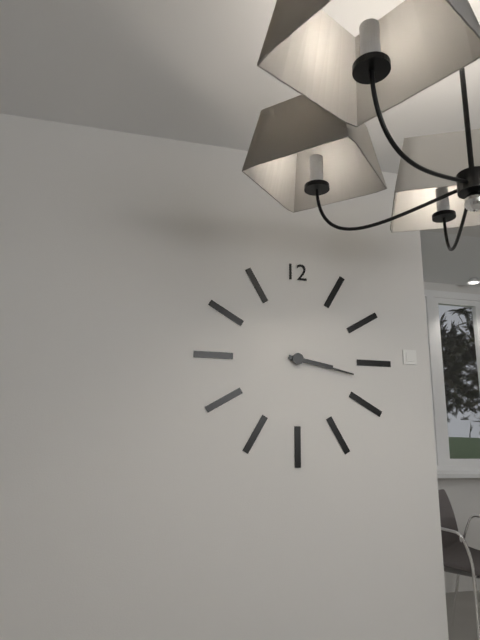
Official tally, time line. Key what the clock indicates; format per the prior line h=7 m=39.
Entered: h=3 m=17
